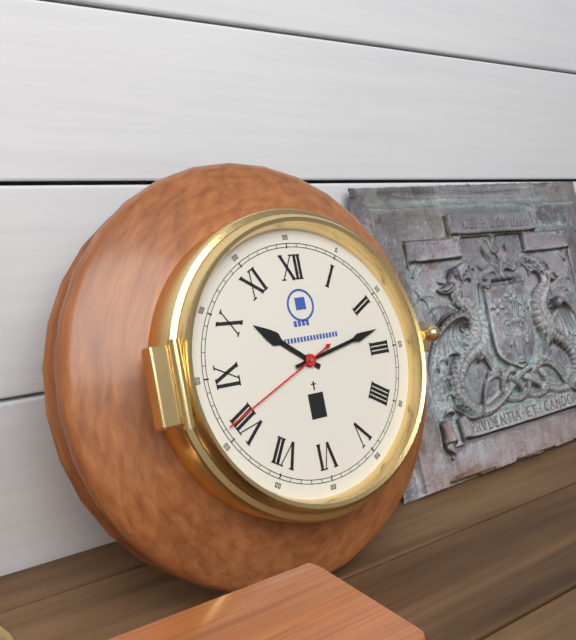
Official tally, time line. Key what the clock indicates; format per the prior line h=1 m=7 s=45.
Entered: h=10 m=13 s=41
